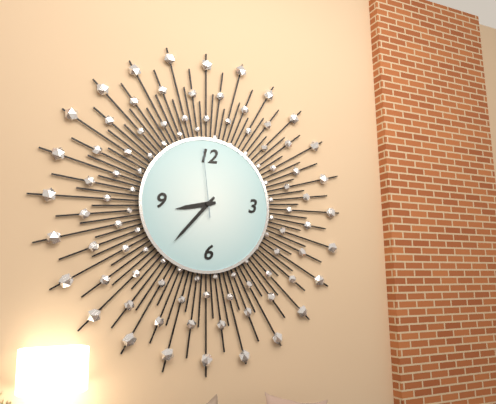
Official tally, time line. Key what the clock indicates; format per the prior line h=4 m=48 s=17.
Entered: h=8 m=37 s=59
